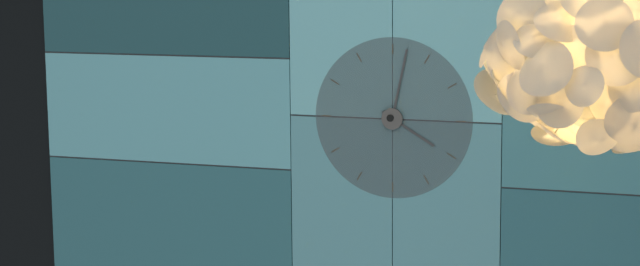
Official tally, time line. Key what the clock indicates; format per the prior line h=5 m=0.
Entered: h=4 m=2
